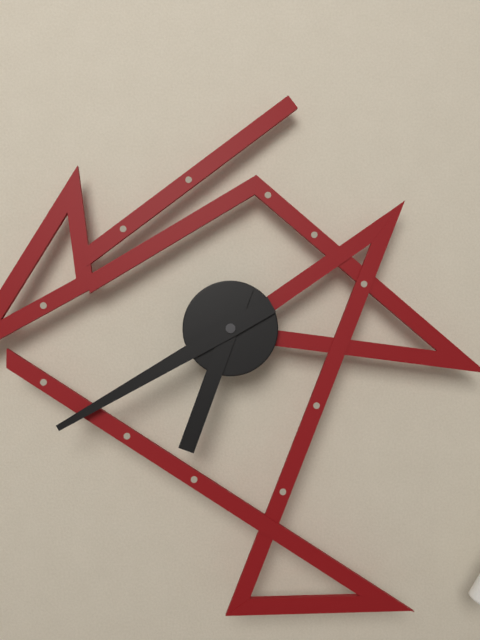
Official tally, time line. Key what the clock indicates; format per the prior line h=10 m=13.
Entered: h=6 m=40
